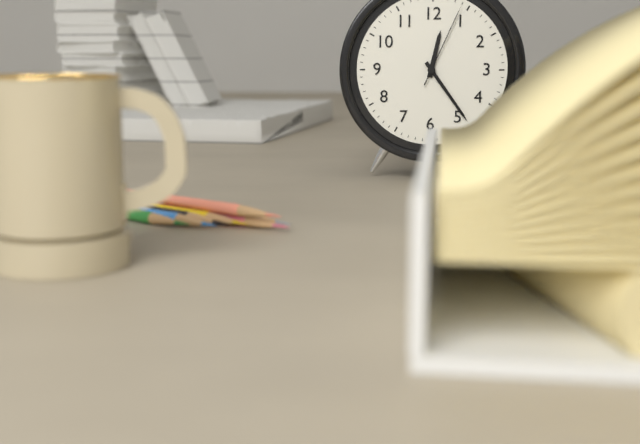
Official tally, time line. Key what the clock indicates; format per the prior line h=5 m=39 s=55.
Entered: h=12 m=24 s=4
